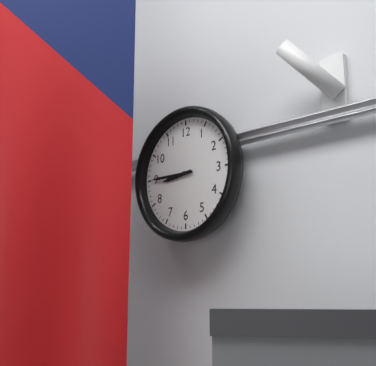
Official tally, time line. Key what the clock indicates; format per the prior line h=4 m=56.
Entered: h=8 m=45
